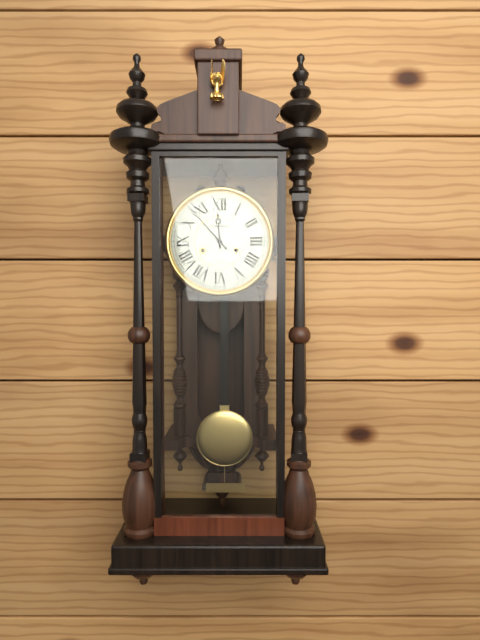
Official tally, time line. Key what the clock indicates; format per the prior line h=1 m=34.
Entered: h=11 m=53
